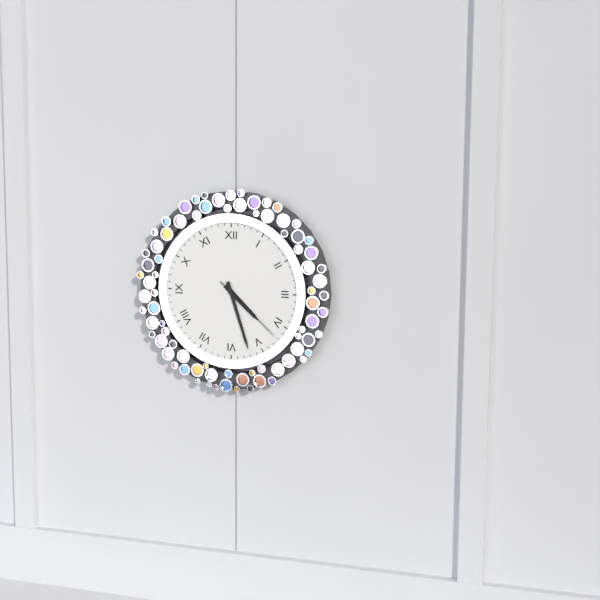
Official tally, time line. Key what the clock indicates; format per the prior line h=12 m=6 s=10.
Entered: h=4 m=27 s=22
